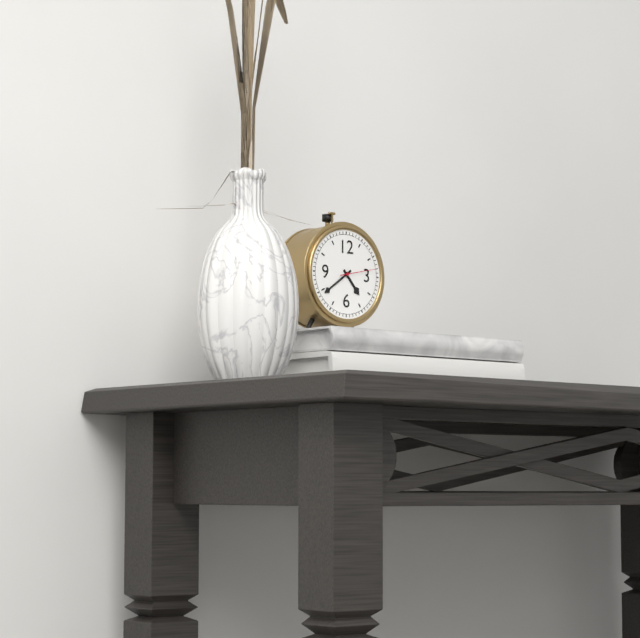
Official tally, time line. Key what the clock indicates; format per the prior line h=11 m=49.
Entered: h=4 m=39
